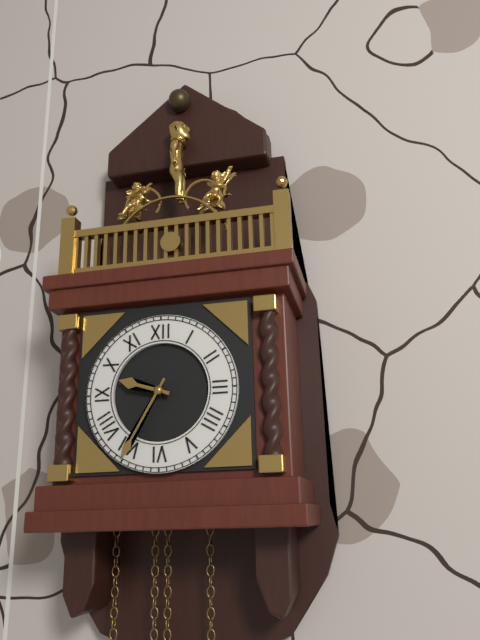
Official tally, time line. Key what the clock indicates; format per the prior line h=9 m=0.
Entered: h=9 m=35
